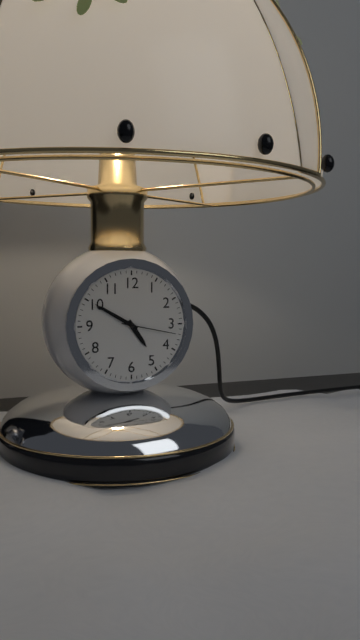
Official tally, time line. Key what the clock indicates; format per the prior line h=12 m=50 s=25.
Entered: h=4 m=50 s=17
